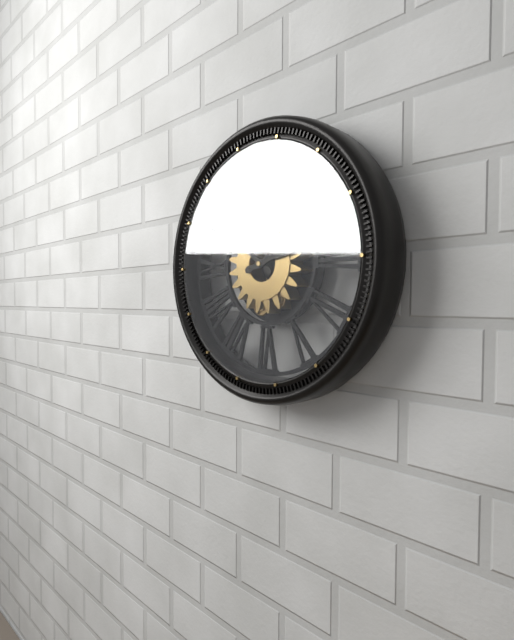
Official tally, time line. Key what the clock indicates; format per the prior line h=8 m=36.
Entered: h=10 m=12
